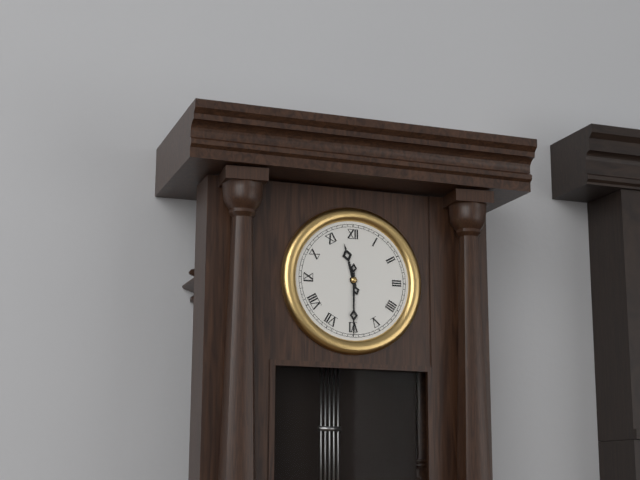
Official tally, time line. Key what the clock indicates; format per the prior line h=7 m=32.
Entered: h=11 m=30
